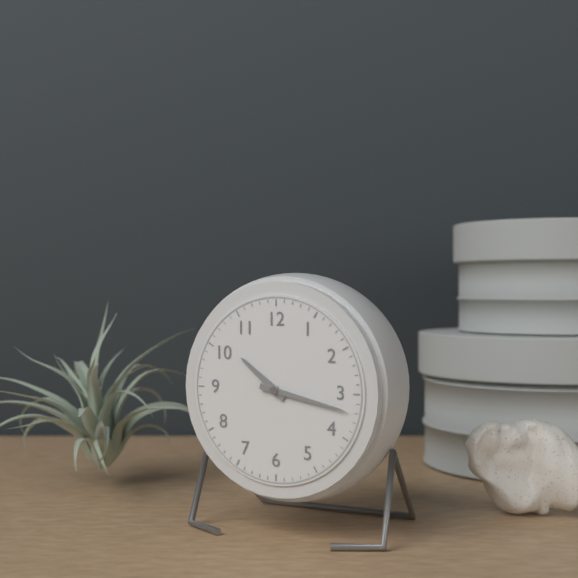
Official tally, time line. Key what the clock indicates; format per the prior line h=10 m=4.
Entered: h=10 m=17
